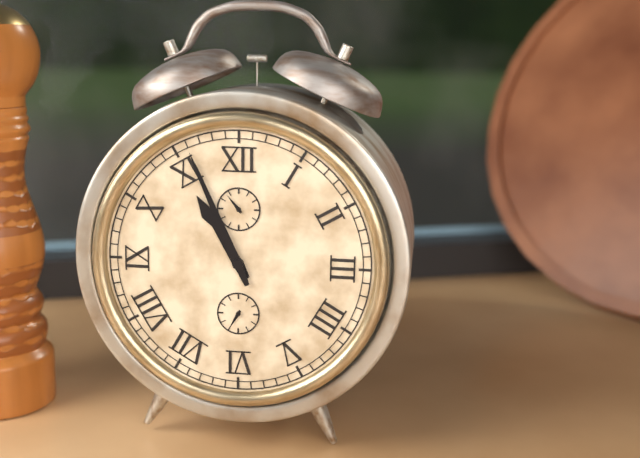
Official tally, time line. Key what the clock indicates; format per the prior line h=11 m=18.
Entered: h=10 m=56
